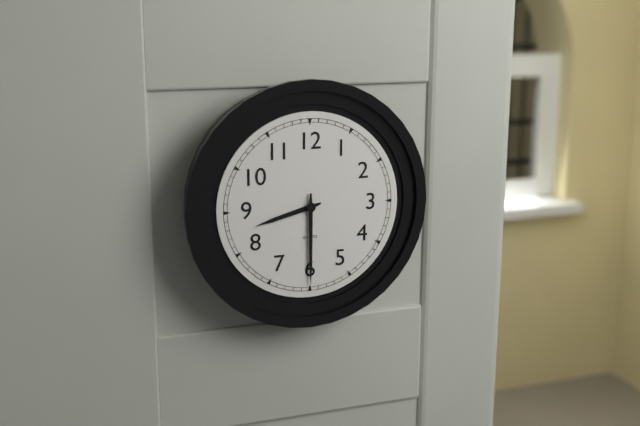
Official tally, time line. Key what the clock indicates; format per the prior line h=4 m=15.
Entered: h=8 m=30
